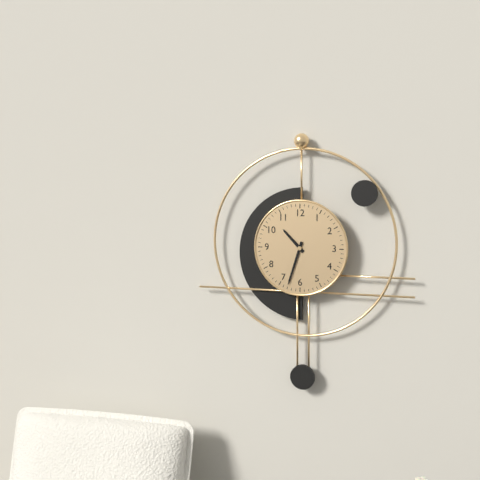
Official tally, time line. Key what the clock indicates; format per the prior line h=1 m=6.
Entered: h=10 m=33
